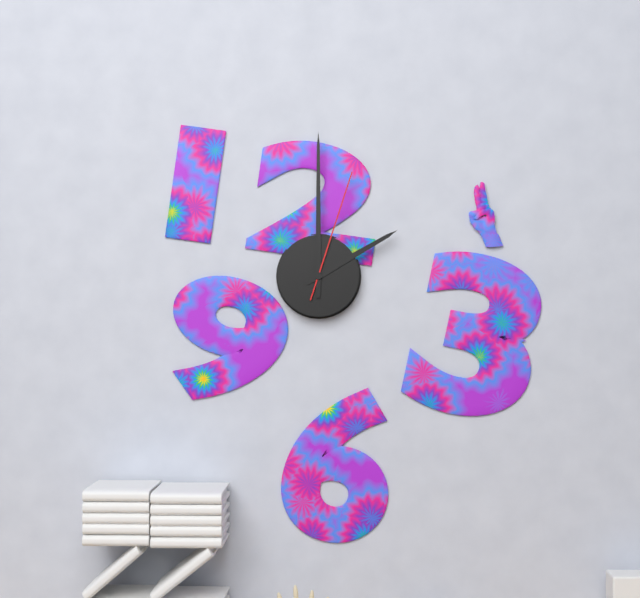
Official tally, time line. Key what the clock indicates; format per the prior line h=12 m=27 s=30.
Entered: h=2 m=0 s=3
